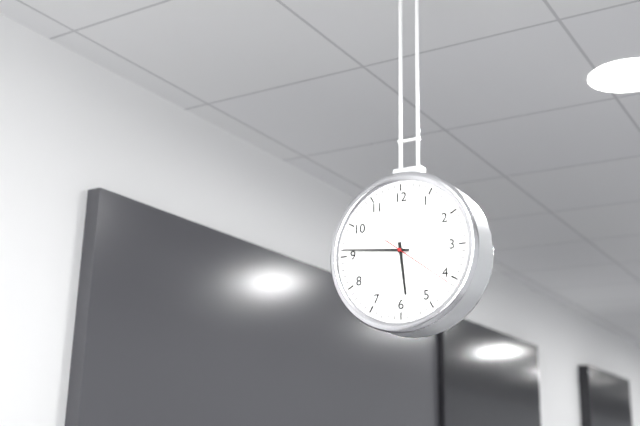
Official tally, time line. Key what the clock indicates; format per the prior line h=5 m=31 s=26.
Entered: h=5 m=46 s=21
